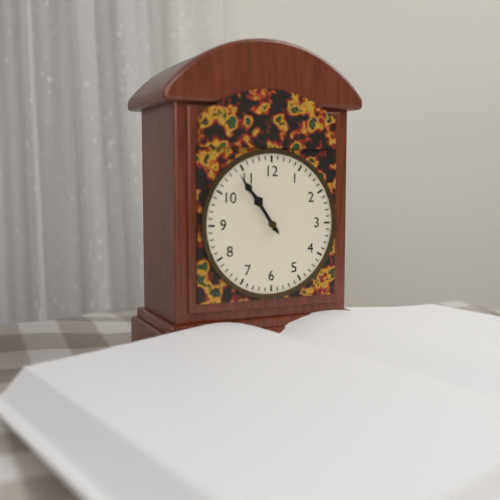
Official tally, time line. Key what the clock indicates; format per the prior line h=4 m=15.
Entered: h=10 m=54
